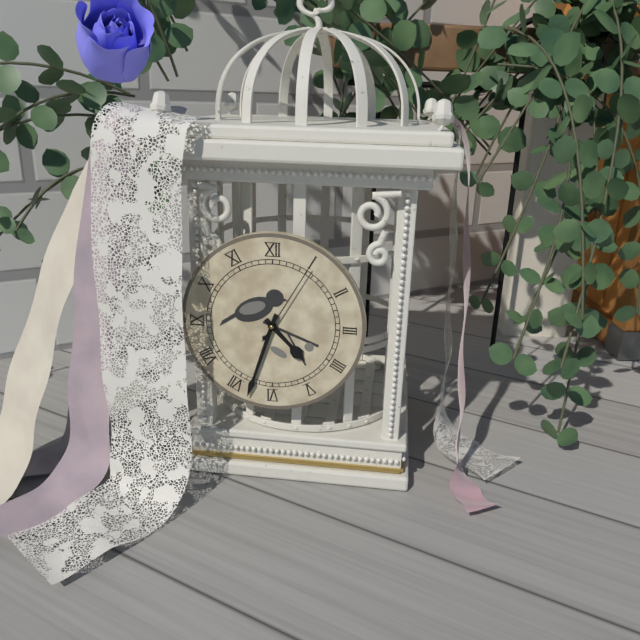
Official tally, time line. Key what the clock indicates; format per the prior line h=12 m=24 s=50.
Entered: h=4 m=33 s=5
